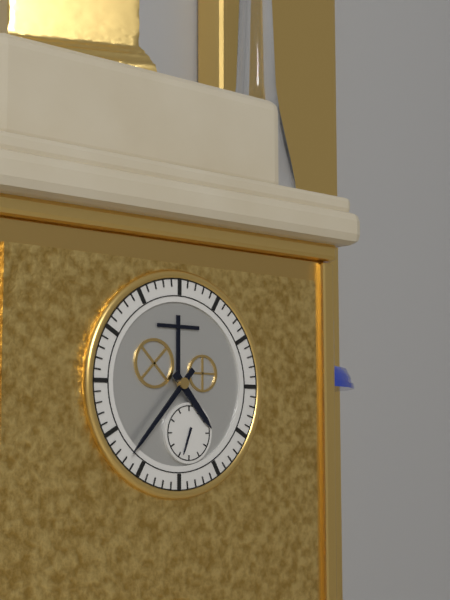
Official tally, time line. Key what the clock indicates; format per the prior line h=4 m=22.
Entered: h=4 m=37
